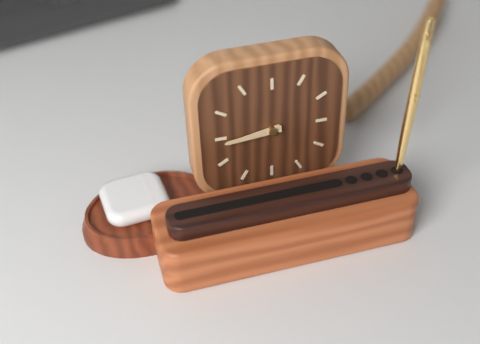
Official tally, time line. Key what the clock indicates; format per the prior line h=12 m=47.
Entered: h=8 m=44
